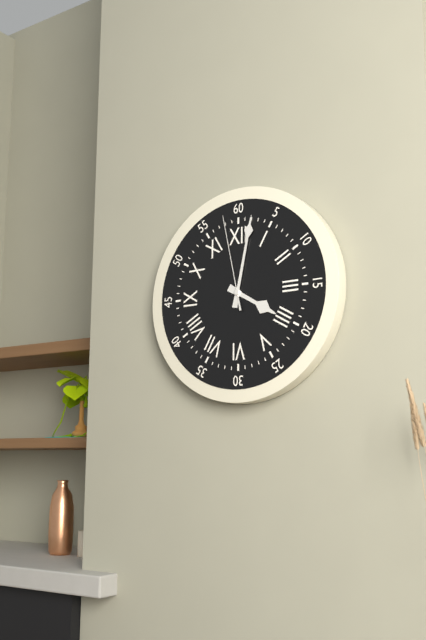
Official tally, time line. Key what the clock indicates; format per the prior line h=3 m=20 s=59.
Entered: h=4 m=2 s=58
